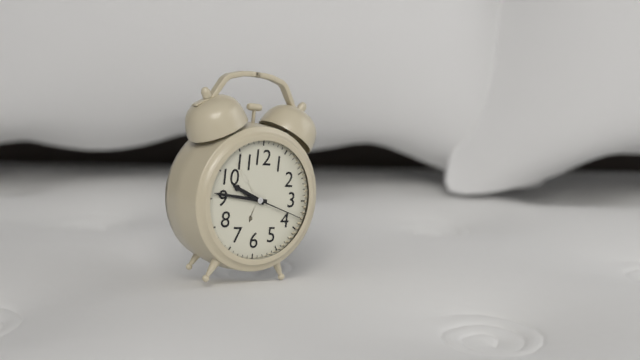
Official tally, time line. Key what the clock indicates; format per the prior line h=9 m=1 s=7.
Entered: h=9 m=46 s=18
